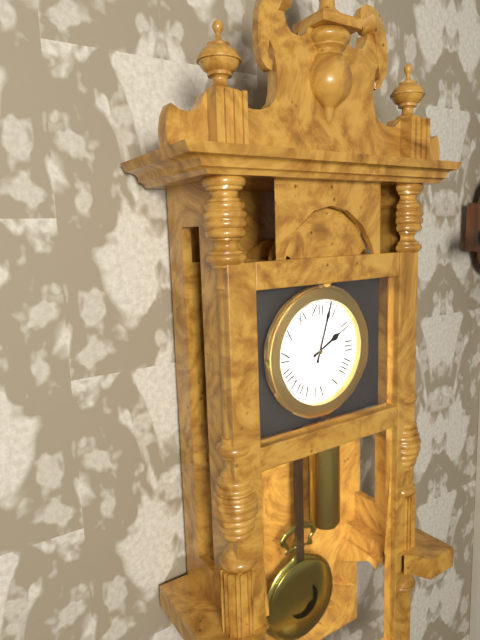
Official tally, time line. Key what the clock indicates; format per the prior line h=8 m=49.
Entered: h=2 m=3
